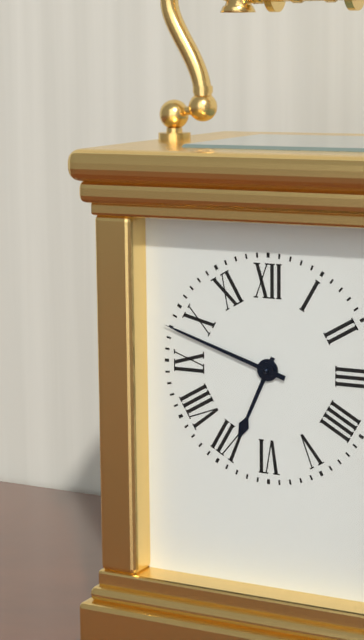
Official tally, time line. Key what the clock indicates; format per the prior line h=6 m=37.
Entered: h=6 m=48
